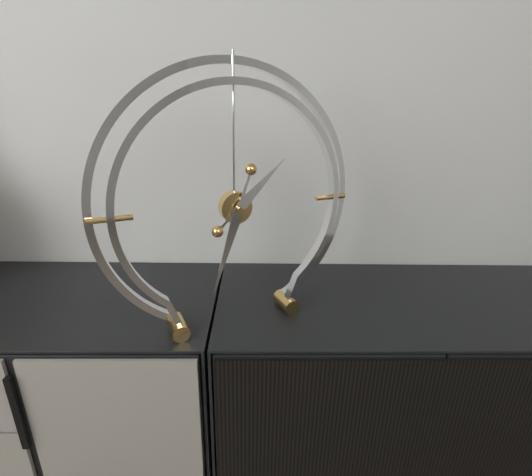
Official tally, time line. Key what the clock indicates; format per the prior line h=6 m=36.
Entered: h=1 m=33
